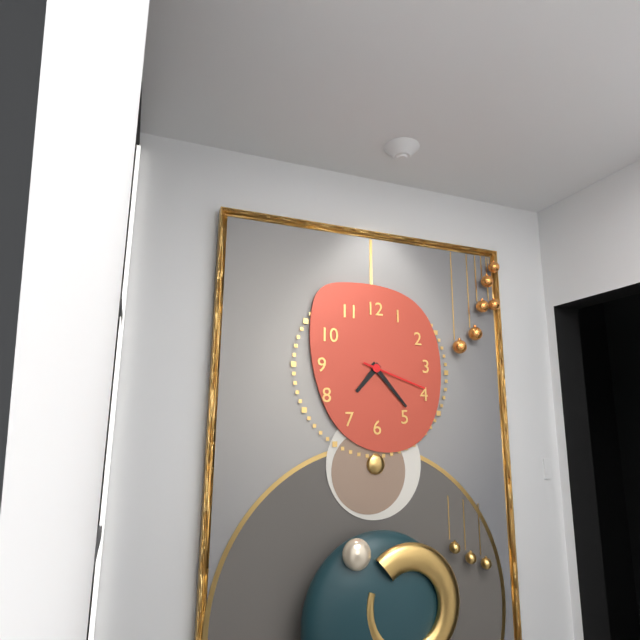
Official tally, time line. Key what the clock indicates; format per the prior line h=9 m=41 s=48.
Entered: h=7 m=23 s=18
